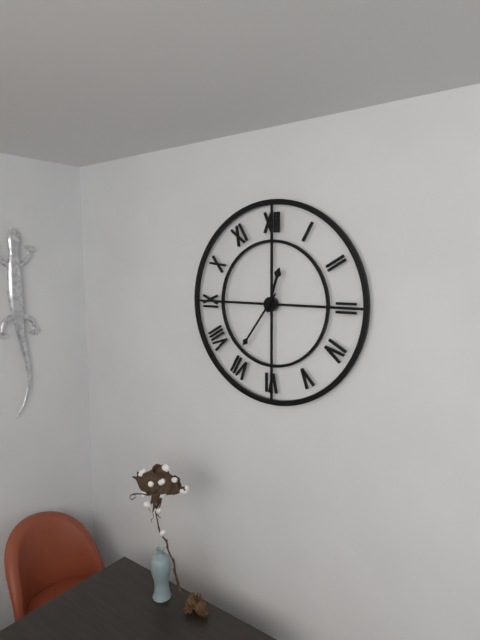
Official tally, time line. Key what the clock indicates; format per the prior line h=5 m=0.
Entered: h=12 m=36
